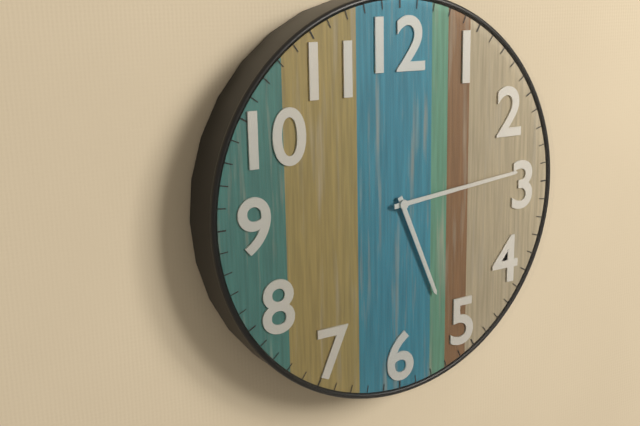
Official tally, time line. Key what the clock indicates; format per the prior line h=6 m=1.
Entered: h=5 m=14
